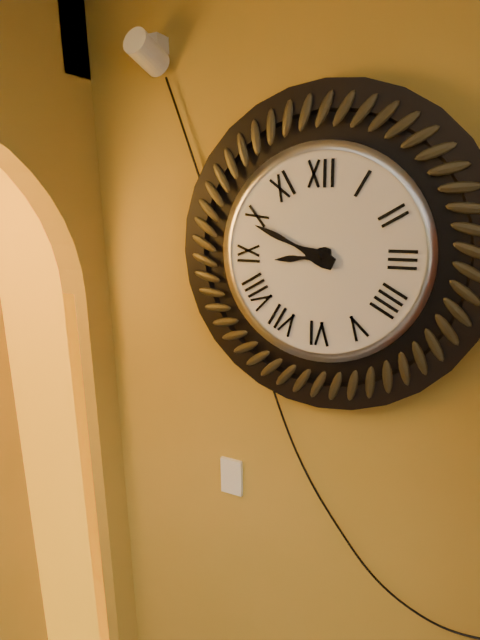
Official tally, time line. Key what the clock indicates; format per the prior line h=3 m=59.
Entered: h=8 m=49
